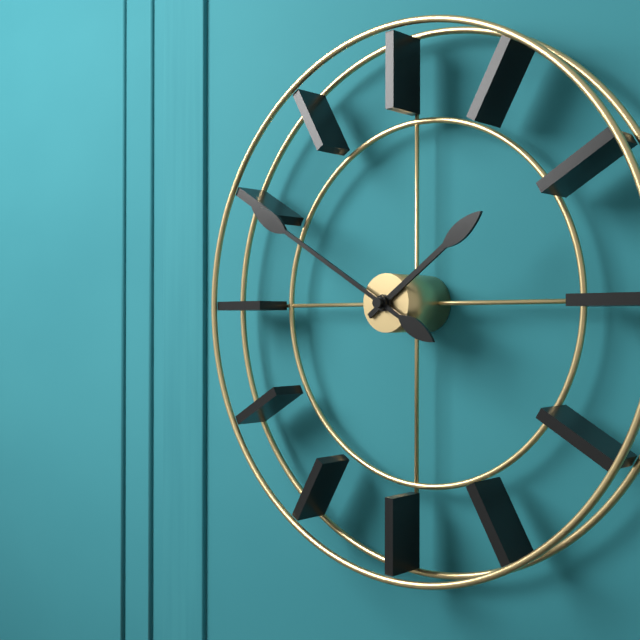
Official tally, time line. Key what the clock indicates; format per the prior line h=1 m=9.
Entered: h=1 m=50
